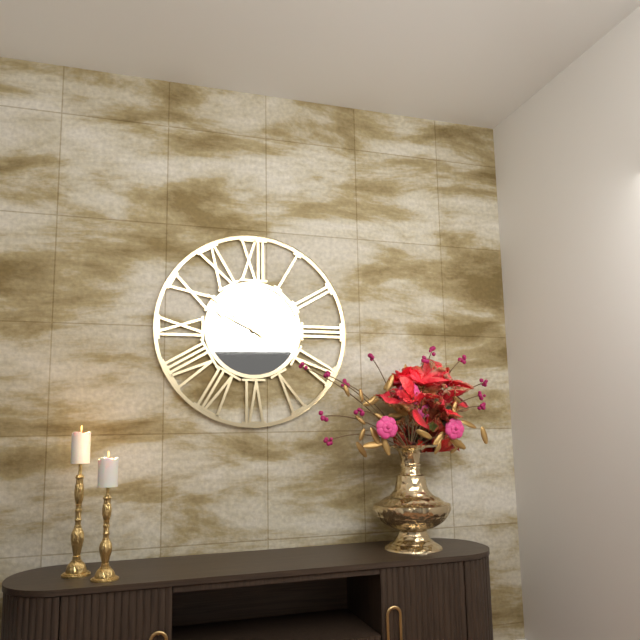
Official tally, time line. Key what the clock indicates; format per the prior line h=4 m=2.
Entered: h=9 m=51
